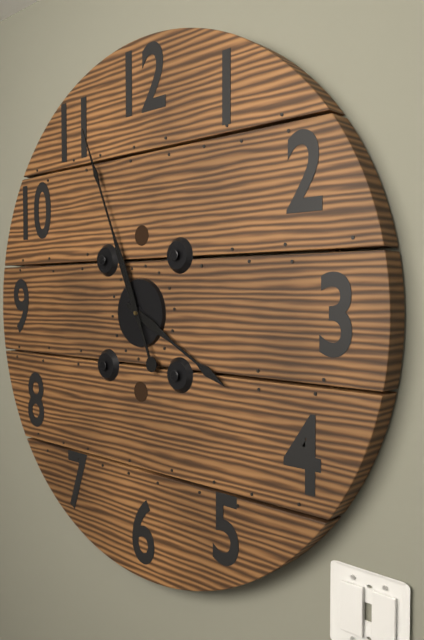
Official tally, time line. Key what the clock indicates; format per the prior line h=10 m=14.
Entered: h=3 m=56
